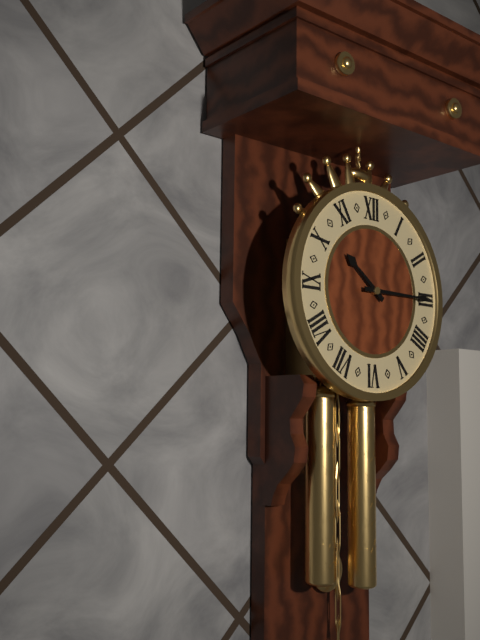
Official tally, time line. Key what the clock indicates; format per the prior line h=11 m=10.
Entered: h=10 m=15
